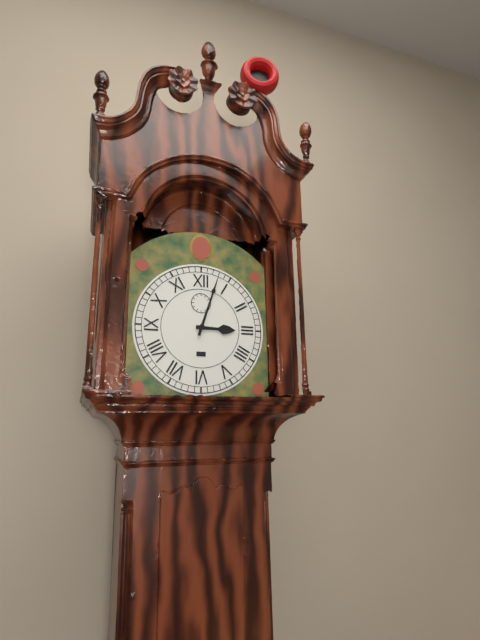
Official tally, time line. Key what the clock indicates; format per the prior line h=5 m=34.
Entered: h=3 m=3
